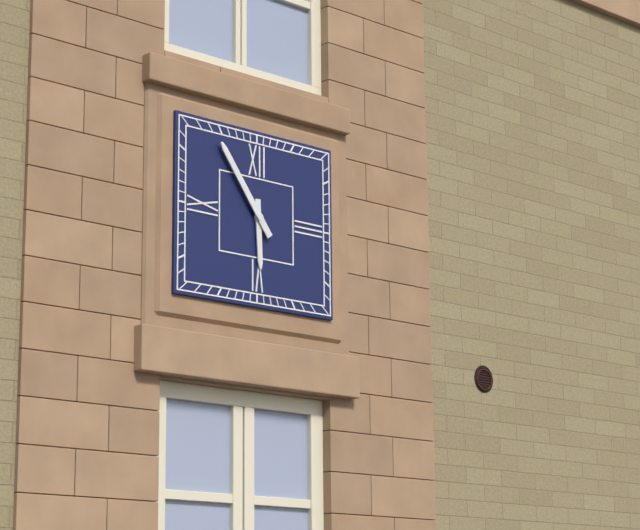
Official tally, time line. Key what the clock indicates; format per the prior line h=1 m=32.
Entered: h=5 m=54
